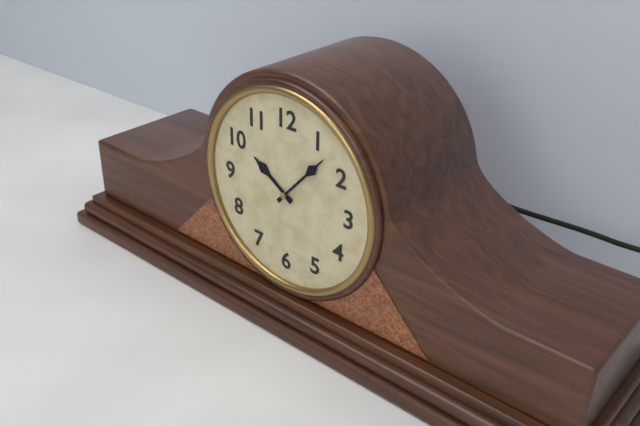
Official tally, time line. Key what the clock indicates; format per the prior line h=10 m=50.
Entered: h=10 m=7
